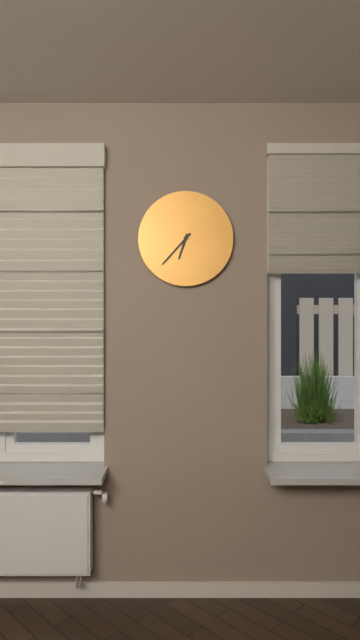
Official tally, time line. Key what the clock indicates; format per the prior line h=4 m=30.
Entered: h=6 m=37
